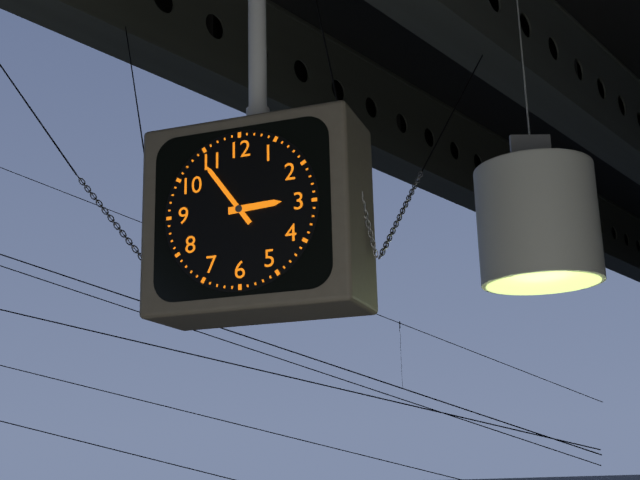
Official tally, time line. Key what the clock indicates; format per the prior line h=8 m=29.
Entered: h=2 m=54
